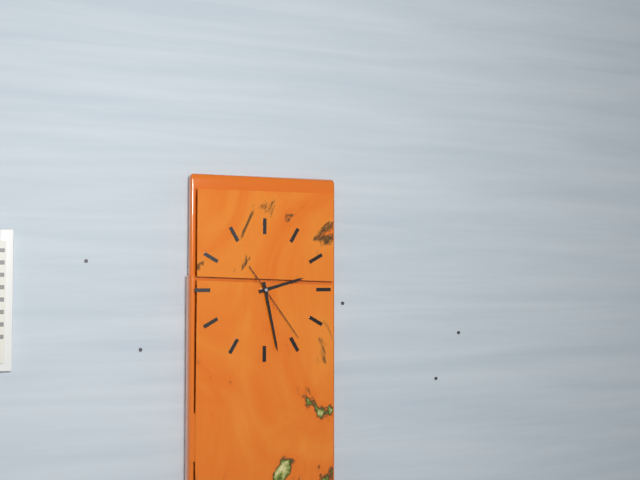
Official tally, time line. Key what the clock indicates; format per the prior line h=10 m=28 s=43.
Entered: h=2 m=28 s=24
